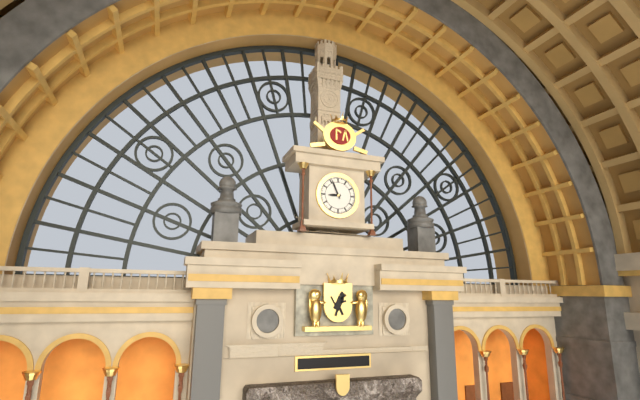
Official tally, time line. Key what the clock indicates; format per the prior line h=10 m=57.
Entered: h=8 m=56
